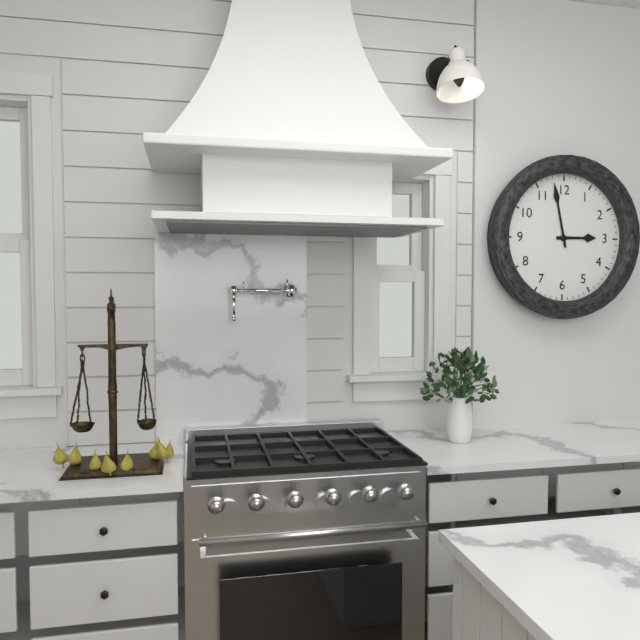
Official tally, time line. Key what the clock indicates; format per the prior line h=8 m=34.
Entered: h=2 m=58
